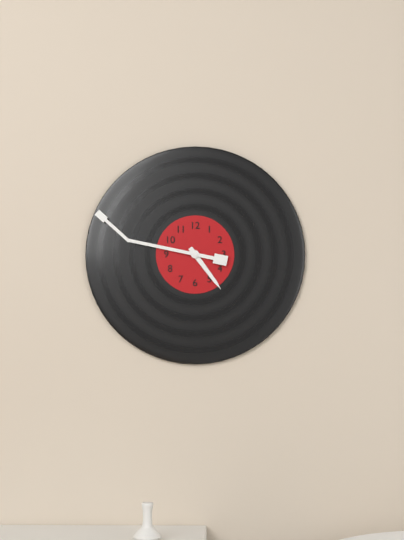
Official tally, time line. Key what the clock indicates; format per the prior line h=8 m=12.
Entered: h=4 m=47
